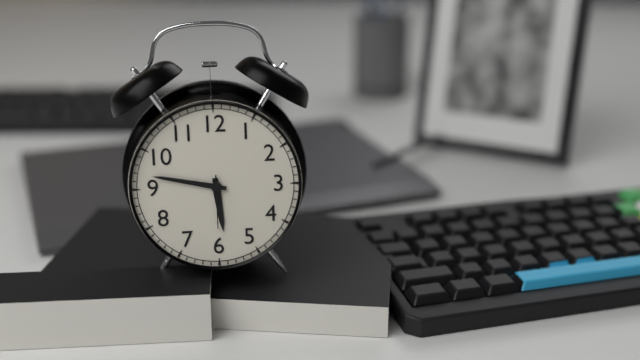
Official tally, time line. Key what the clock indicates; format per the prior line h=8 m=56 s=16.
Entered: h=5 m=47 s=30
